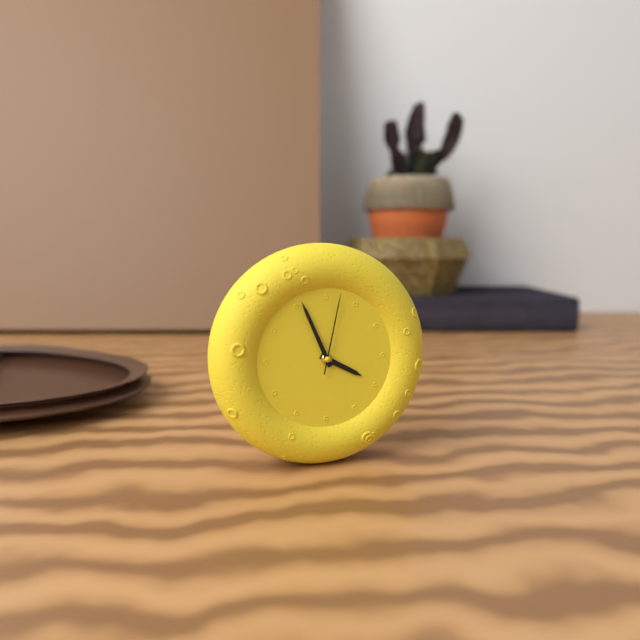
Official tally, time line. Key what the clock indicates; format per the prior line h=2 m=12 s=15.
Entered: h=3 m=56 s=2
